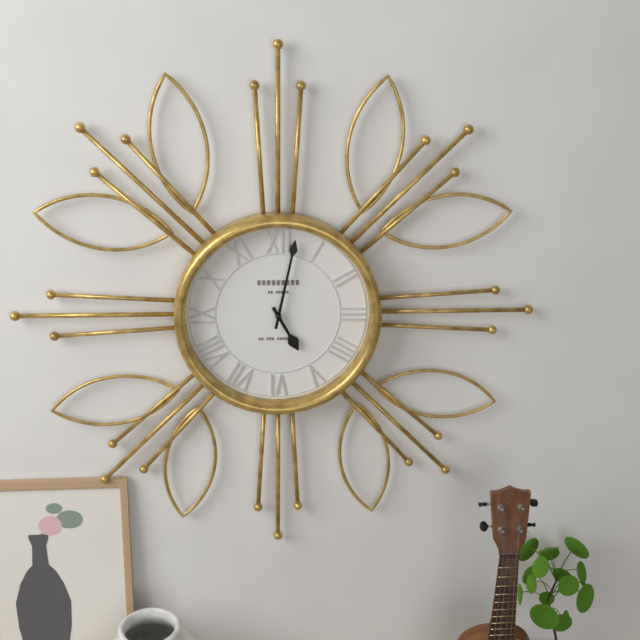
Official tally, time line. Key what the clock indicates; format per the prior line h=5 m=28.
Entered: h=5 m=2
